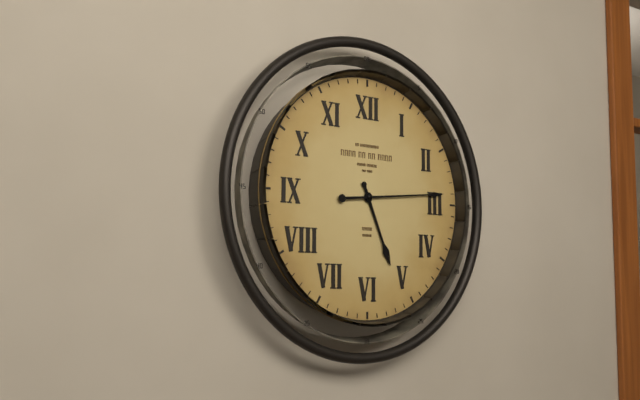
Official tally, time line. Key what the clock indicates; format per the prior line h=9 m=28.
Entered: h=5 m=14
